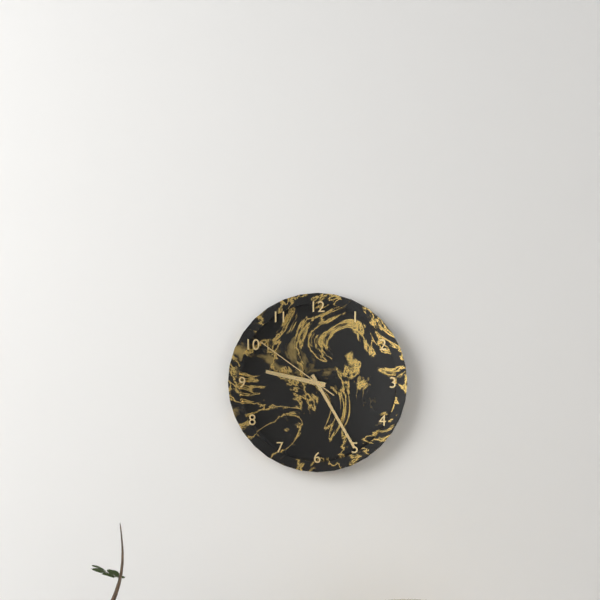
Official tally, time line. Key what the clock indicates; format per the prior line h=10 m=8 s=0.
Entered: h=9 m=25 s=51
